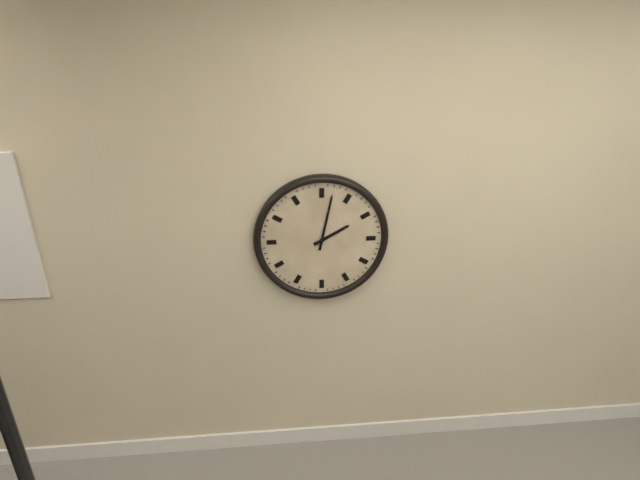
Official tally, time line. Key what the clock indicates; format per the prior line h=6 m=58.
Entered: h=2 m=2
